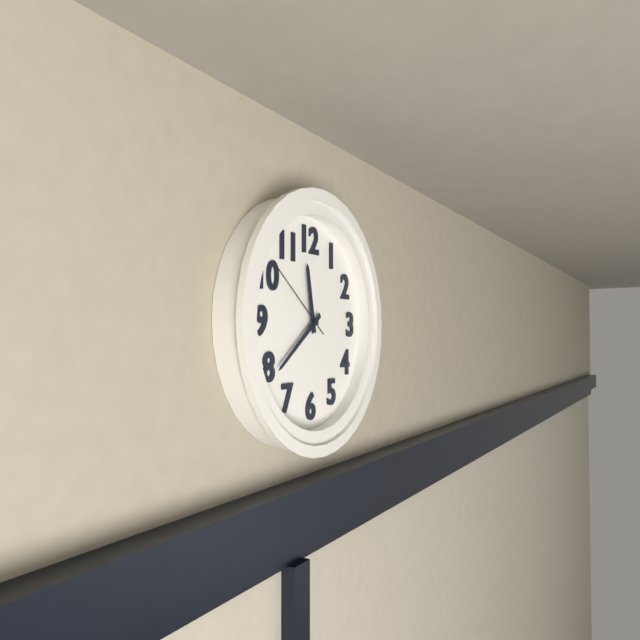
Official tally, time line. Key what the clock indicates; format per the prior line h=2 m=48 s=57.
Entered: h=11 m=39 s=51
